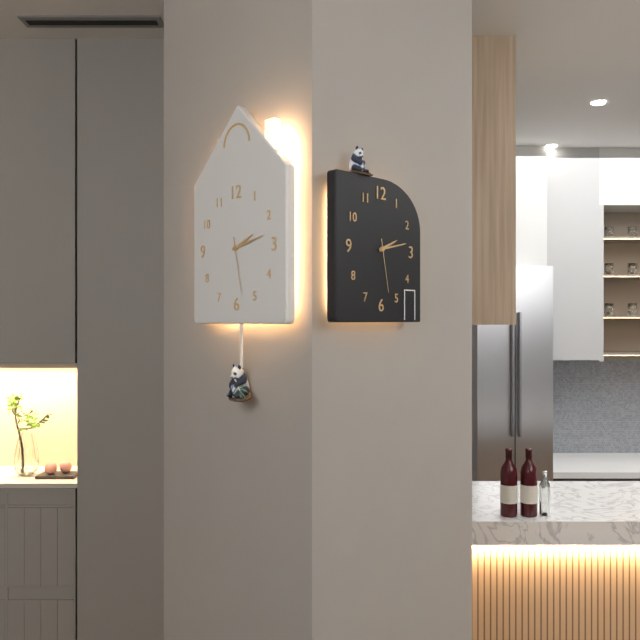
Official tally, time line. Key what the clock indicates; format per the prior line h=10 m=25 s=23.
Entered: h=2 m=13 s=28
